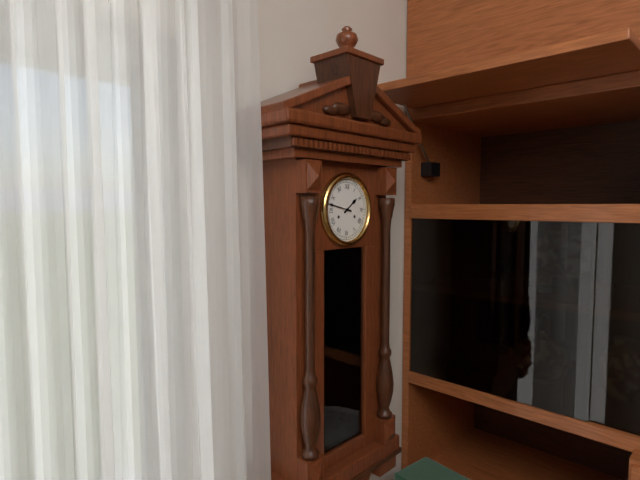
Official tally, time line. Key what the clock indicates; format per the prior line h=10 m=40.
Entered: h=1 m=47
